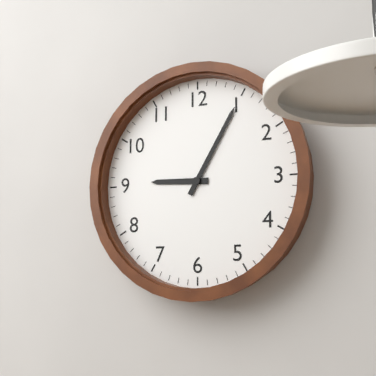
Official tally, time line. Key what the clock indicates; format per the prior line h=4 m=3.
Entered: h=9 m=5
